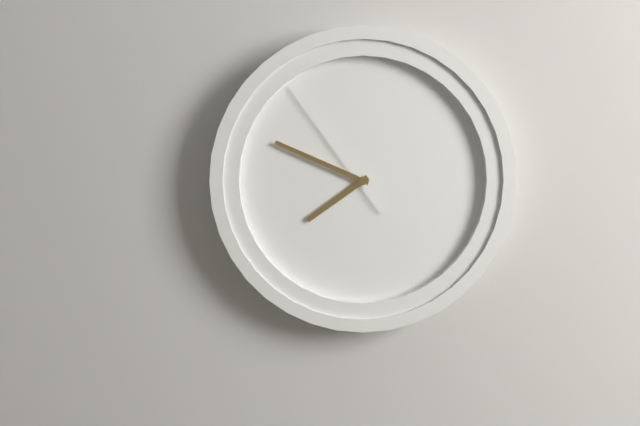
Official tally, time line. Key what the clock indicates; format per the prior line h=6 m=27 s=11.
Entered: h=7 m=49 s=54
